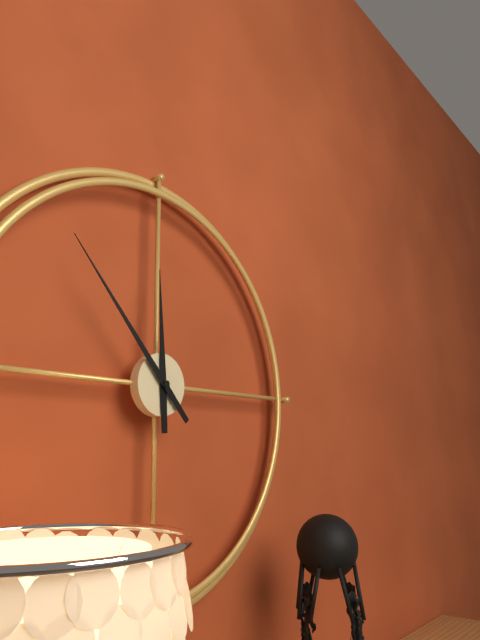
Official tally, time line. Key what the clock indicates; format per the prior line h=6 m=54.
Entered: h=11 m=53
